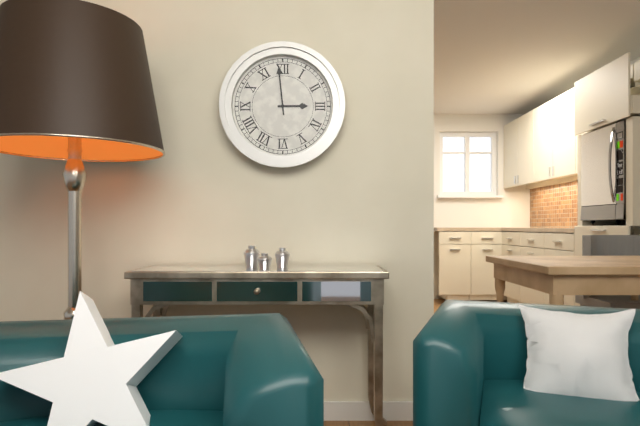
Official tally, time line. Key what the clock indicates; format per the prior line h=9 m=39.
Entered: h=2 m=59
